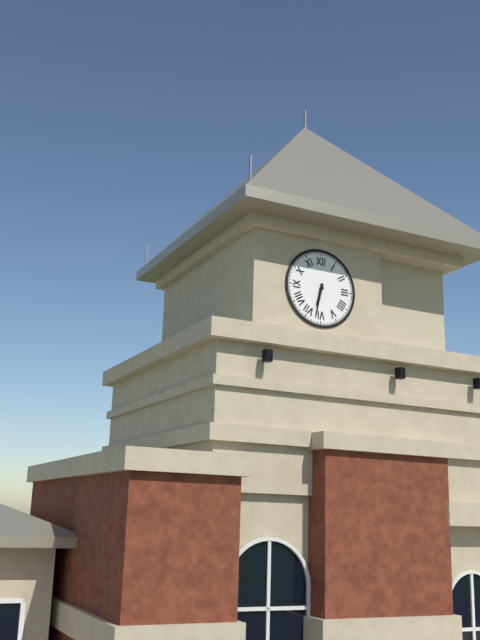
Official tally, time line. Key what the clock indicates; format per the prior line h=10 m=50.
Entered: h=6 m=32
